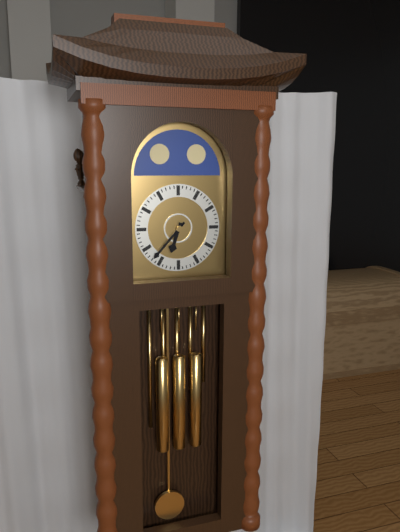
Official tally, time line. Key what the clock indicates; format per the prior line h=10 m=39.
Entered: h=6 m=37
